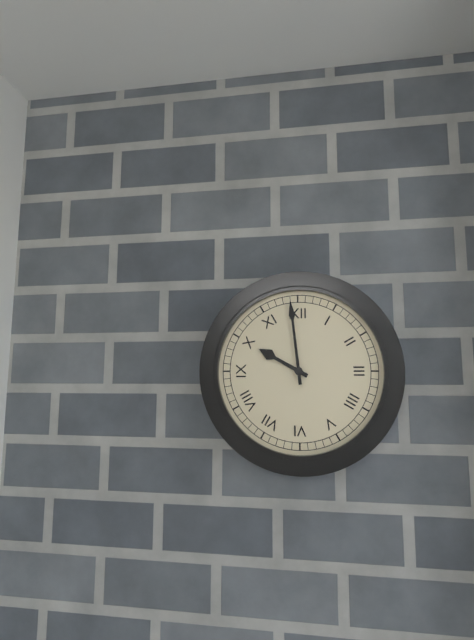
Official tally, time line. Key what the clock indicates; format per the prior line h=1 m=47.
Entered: h=9 m=59
